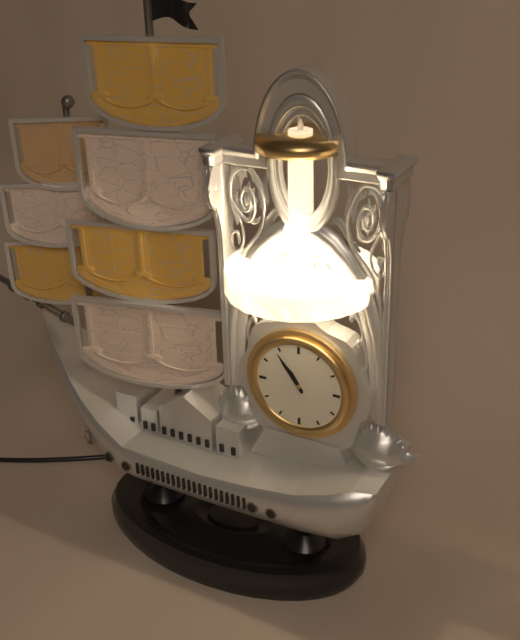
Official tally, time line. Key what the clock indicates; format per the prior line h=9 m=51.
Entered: h=10 m=54
